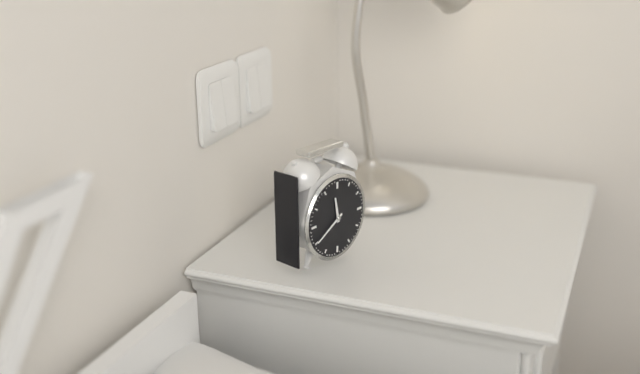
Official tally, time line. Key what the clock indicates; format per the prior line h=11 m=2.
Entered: h=11 m=40
